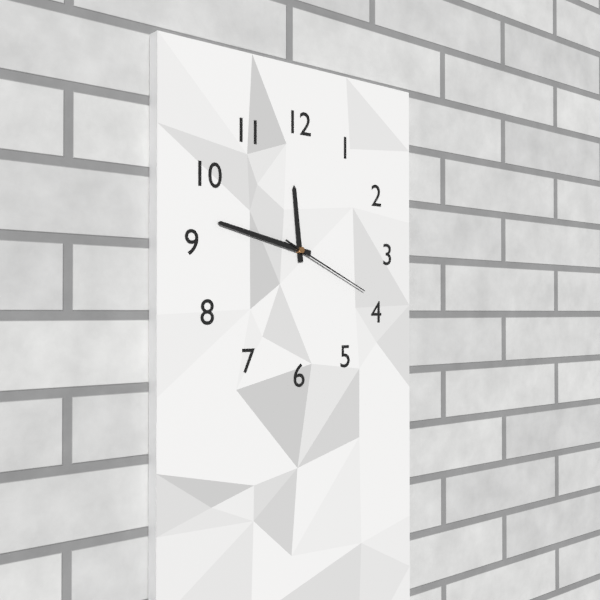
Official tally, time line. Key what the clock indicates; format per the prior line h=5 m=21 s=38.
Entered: h=11 m=47 s=19
